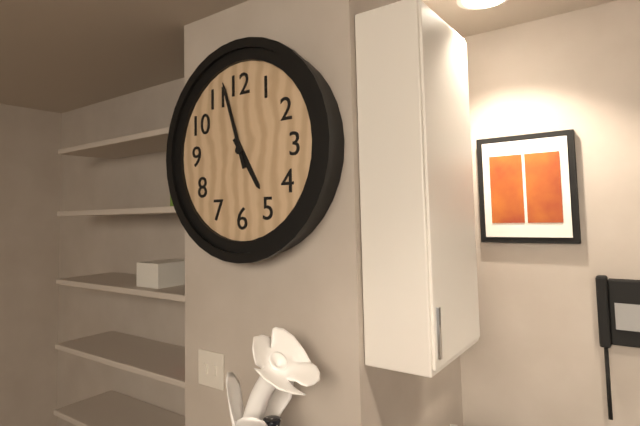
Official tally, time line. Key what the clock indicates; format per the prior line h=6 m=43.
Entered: h=4 m=57
